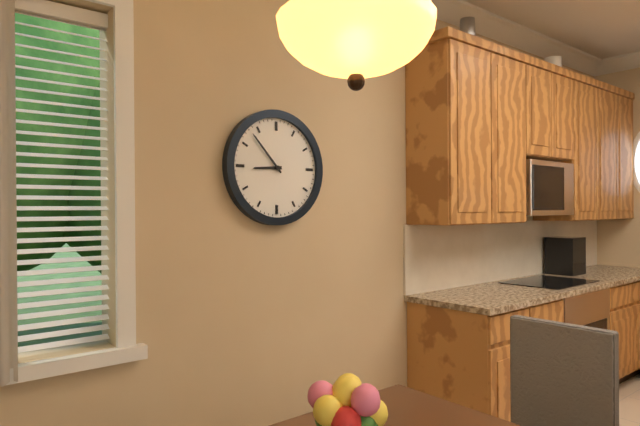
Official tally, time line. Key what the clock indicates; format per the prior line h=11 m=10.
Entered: h=8 m=53
